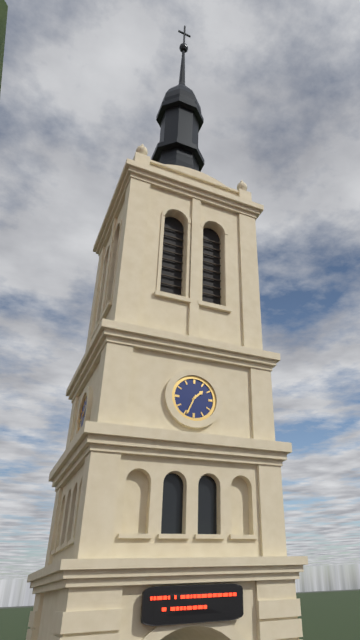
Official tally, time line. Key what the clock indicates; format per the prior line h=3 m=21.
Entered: h=1 m=34
